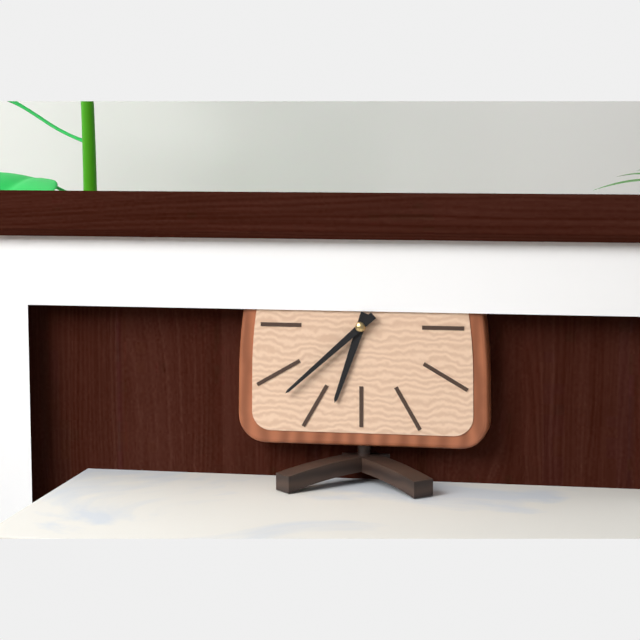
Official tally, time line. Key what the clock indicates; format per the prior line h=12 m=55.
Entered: h=6 m=38
